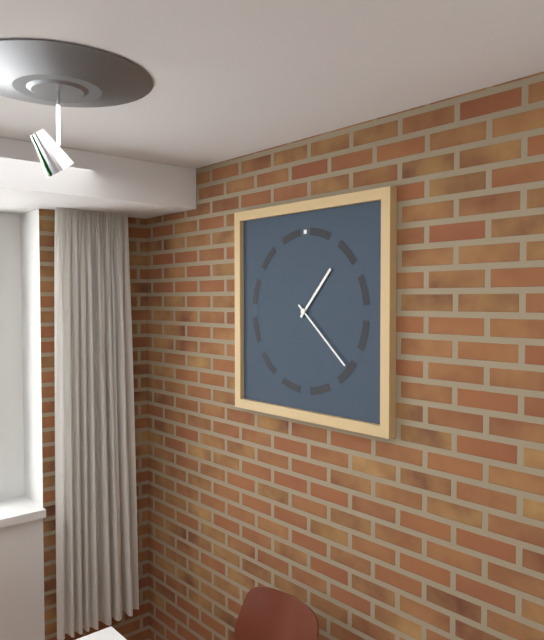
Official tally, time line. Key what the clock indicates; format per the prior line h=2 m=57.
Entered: h=1 m=22
